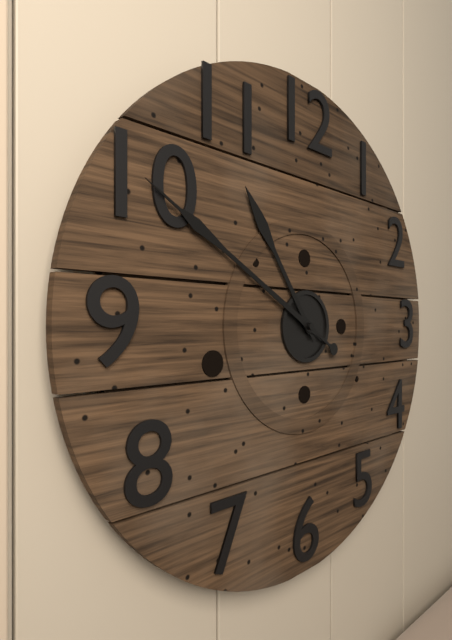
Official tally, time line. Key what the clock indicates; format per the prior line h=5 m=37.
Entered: h=10 m=50
